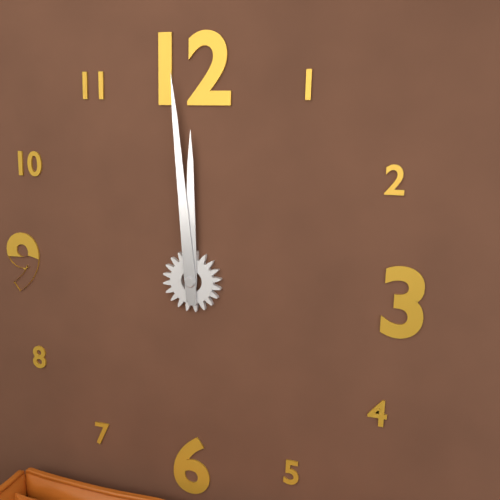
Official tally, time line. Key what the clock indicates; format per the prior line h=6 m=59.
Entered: h=11 m=59
